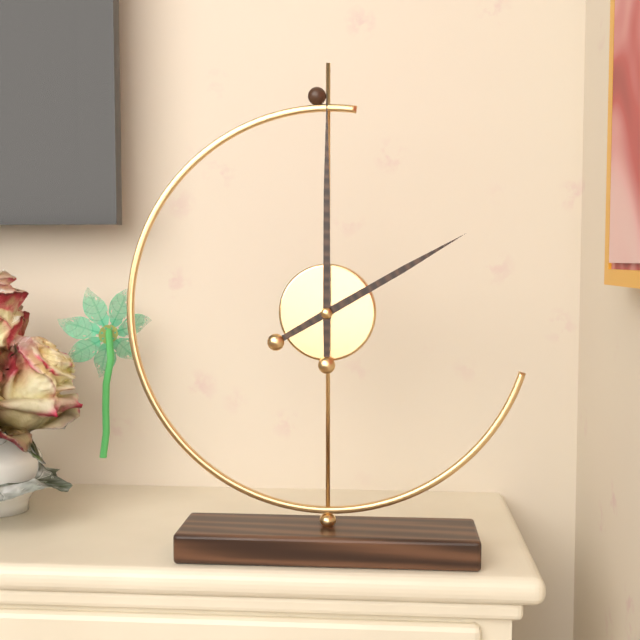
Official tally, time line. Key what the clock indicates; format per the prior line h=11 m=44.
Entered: h=2 m=0
